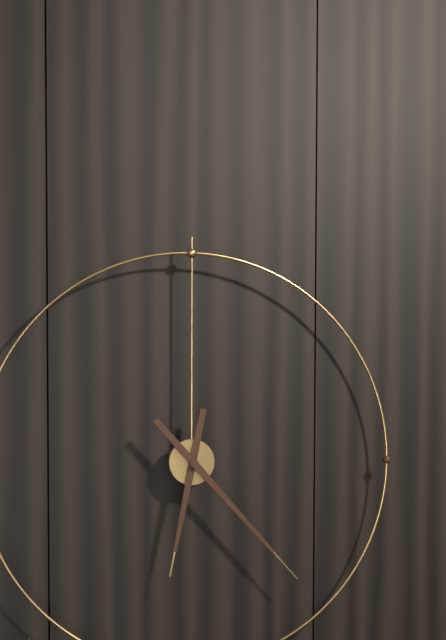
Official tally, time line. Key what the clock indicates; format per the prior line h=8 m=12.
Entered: h=6 m=23
